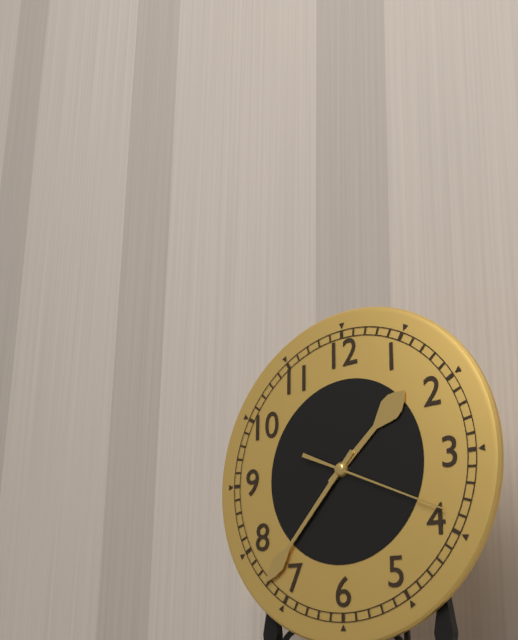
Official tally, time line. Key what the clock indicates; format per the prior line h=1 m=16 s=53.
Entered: h=1 m=37 s=19
